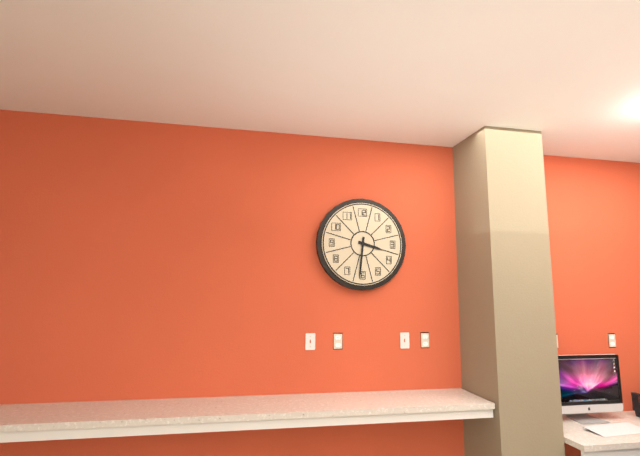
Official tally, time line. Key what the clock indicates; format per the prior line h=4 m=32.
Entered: h=3 m=31
